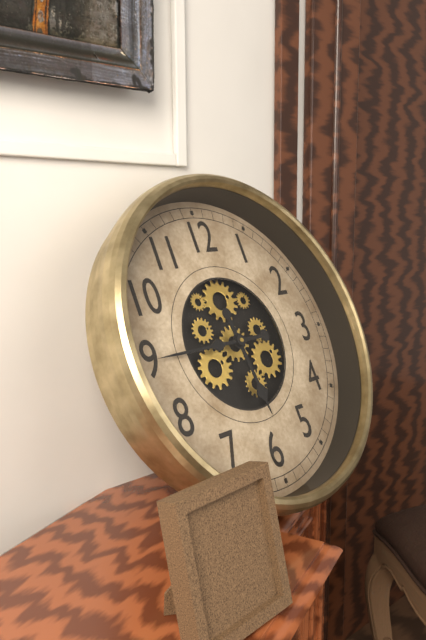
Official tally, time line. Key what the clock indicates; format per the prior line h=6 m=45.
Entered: h=5 m=45
